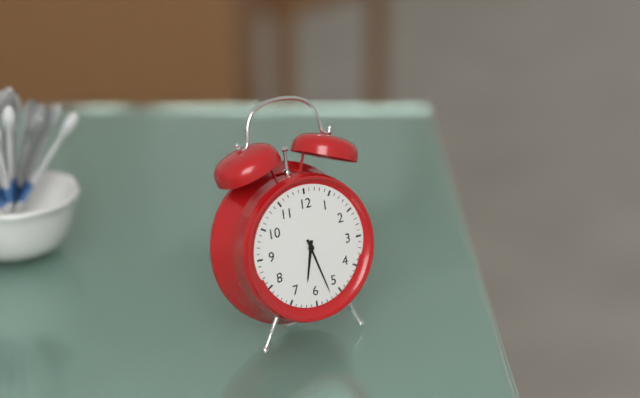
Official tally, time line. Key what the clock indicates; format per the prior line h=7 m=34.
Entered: h=6 m=27
